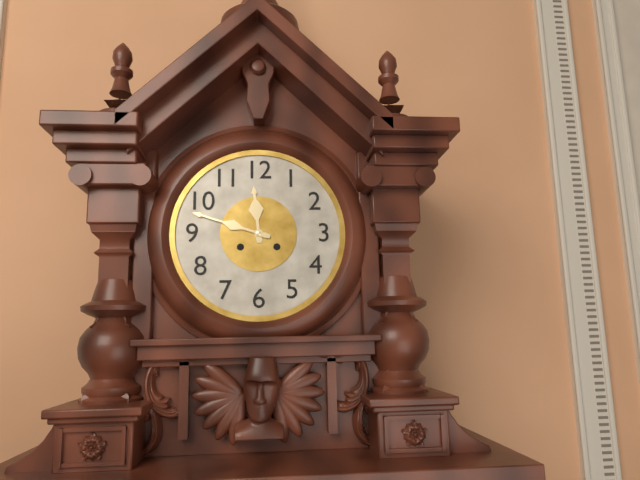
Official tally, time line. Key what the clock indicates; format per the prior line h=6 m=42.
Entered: h=11 m=48
